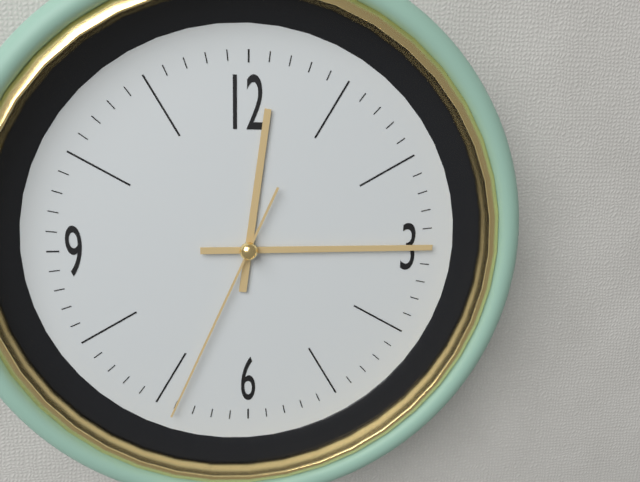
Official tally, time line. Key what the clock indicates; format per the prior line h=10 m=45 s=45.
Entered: h=12 m=15 s=34
